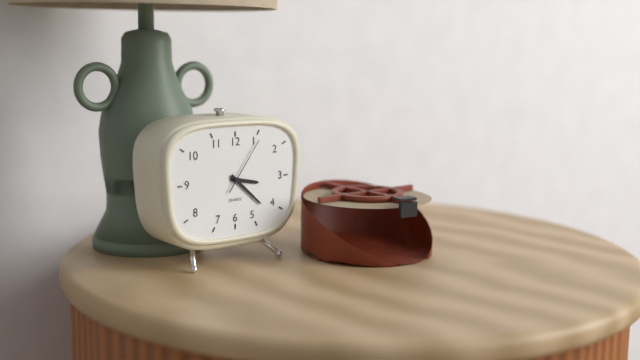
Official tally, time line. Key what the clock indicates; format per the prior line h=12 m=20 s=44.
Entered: h=3 m=22 s=6
